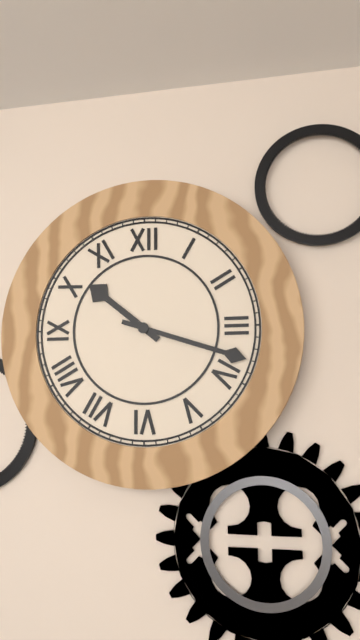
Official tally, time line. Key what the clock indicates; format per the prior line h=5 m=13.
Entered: h=10 m=18
